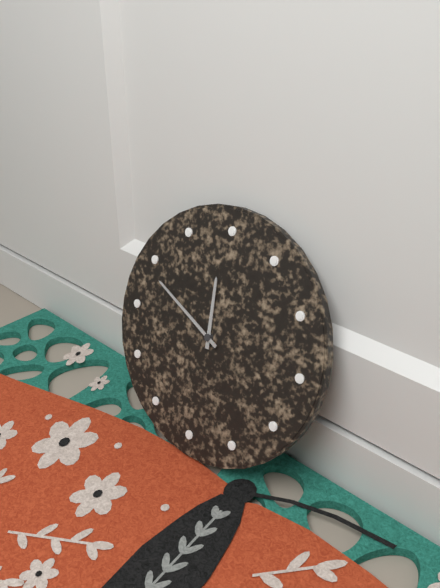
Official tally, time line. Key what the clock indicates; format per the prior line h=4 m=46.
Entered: h=11 m=49
